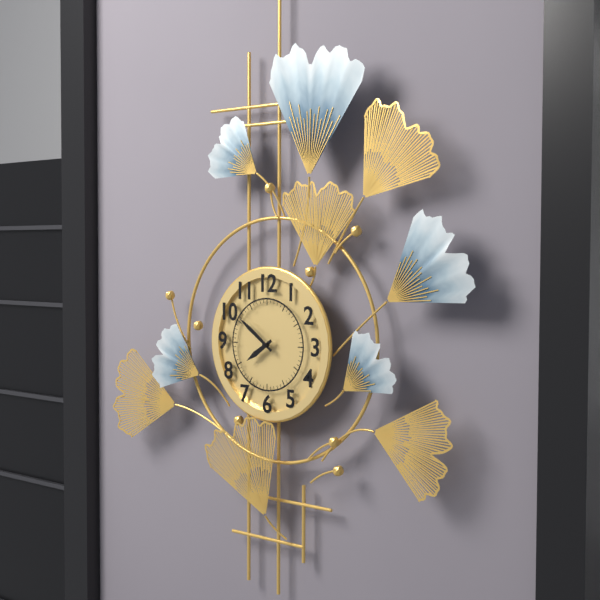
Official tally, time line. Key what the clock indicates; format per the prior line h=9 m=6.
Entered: h=7 m=51
